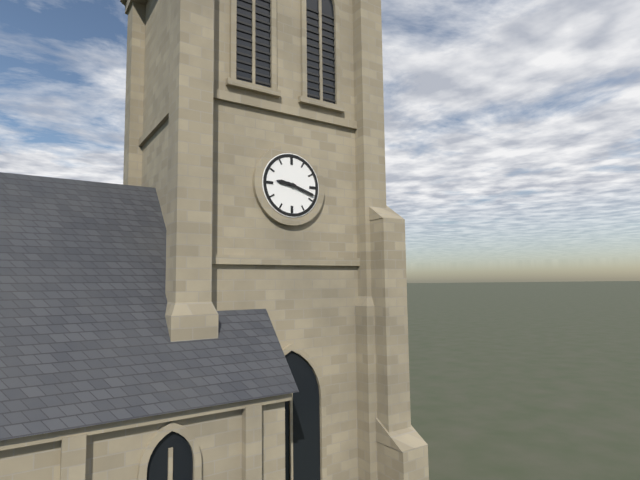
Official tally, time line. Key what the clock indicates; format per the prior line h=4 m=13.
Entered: h=9 m=18
